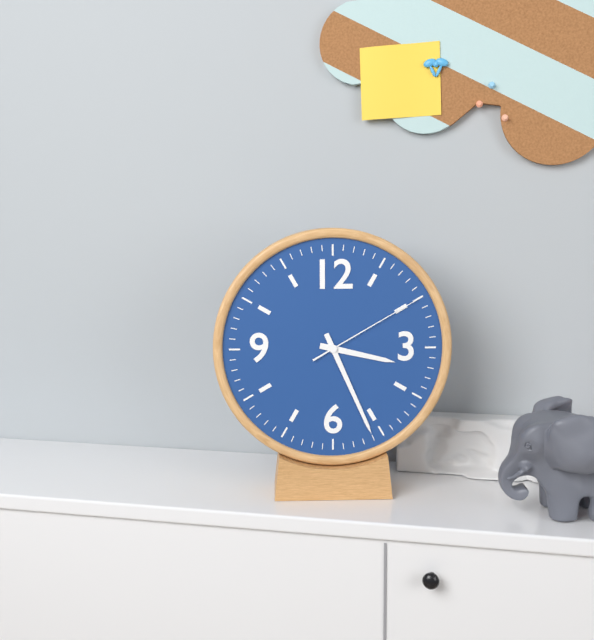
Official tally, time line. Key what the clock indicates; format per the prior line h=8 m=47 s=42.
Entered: h=3 m=26 s=10
